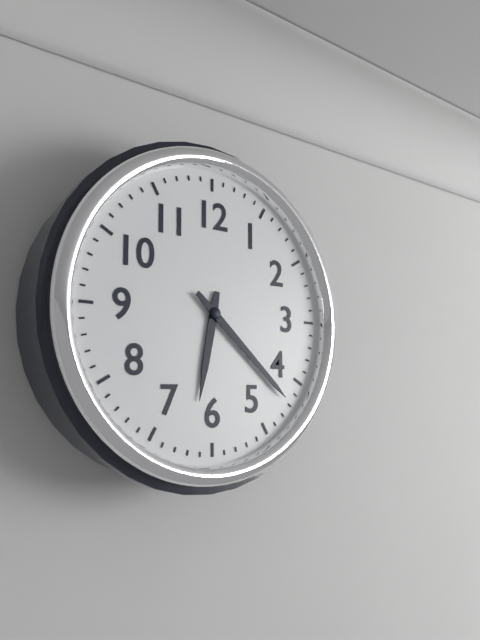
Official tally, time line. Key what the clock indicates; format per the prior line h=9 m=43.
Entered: h=6 m=22
